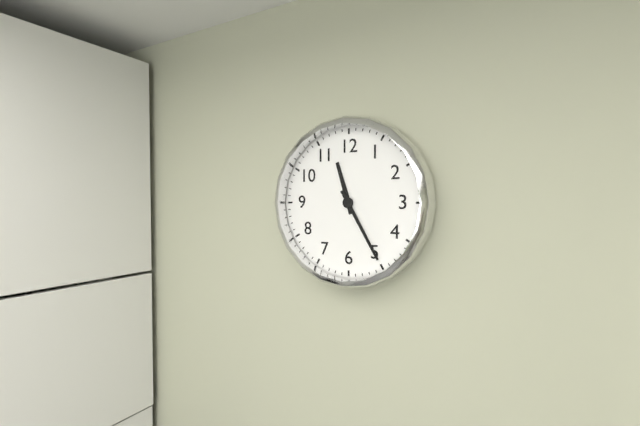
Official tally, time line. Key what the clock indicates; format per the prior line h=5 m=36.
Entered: h=11 m=25
